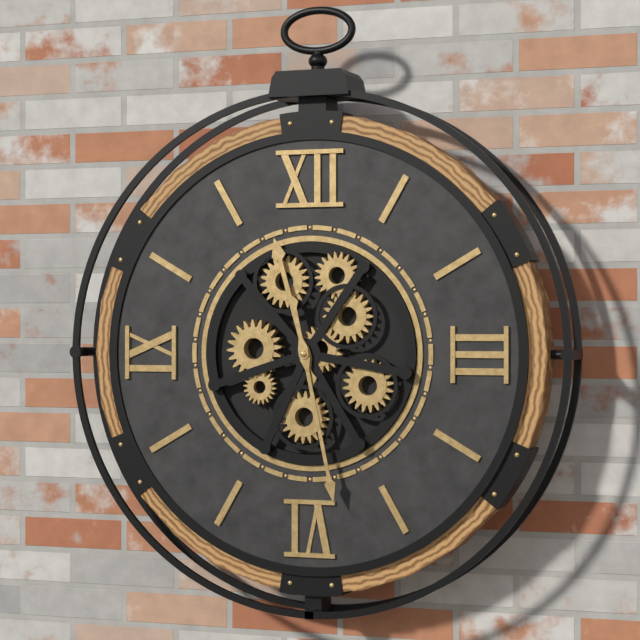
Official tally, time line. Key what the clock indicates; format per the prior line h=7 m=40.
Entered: h=11 m=28
